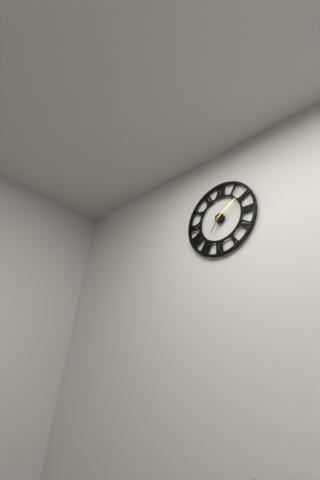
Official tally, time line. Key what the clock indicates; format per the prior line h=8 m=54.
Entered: h=7 m=9
